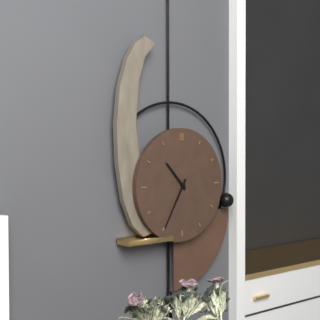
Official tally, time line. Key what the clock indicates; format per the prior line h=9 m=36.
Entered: h=10 m=35
